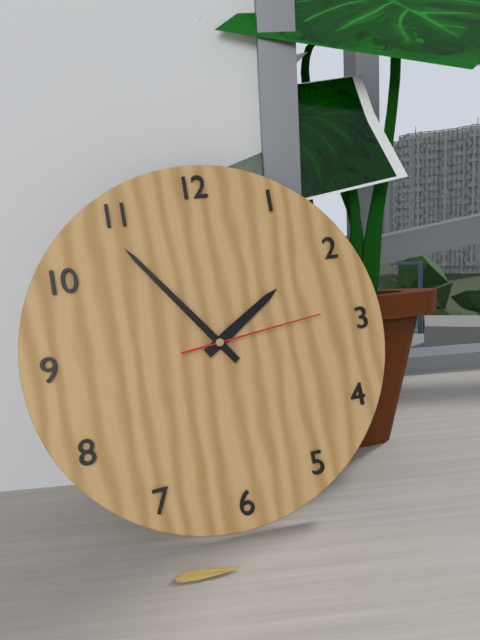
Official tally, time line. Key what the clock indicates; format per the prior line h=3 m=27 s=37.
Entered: h=1 m=54 s=14
